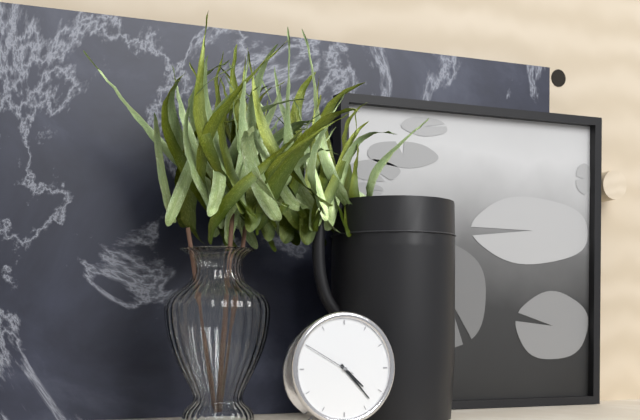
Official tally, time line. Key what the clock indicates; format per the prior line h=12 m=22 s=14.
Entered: h=4 m=23 s=50
